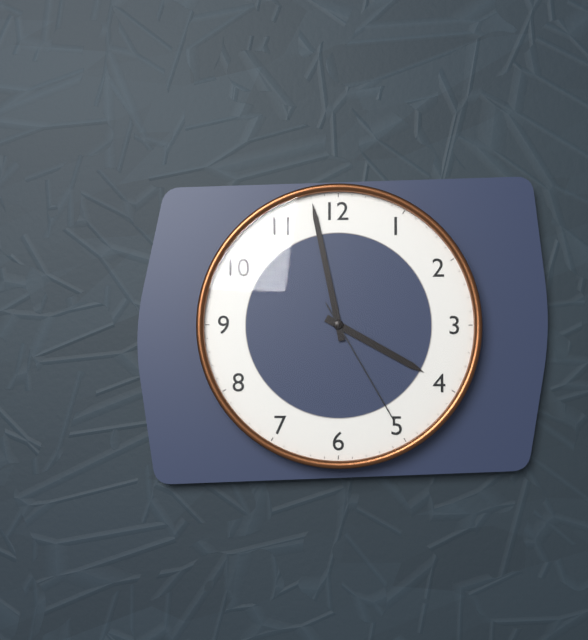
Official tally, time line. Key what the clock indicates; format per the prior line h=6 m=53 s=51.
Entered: h=3 m=58 s=25
